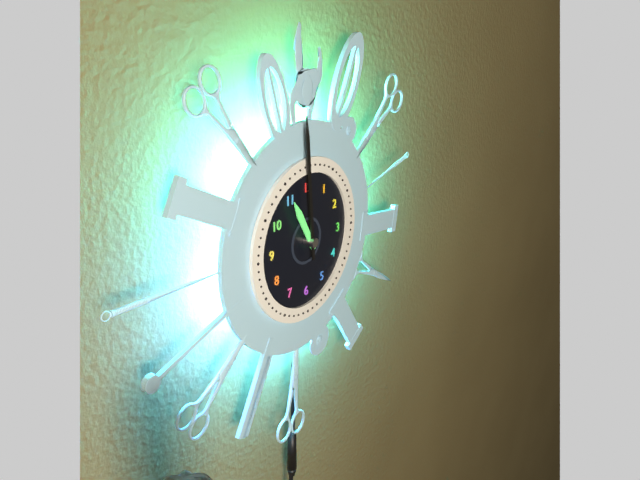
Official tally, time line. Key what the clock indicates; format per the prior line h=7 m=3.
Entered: h=10 m=59
